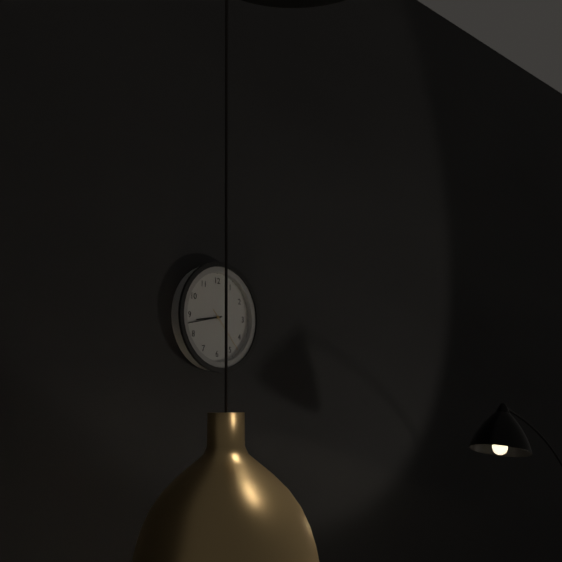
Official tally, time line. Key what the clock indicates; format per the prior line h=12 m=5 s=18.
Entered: h=8 m=43 s=23
